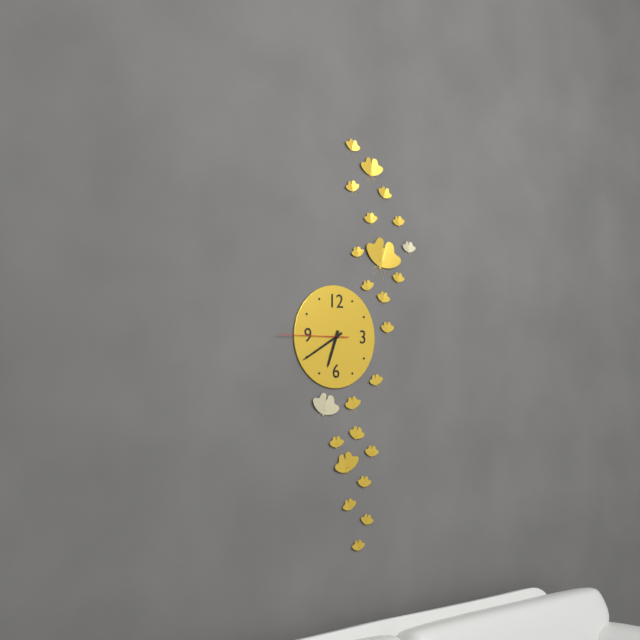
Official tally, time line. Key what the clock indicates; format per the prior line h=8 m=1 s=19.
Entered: h=6 m=40 s=45
